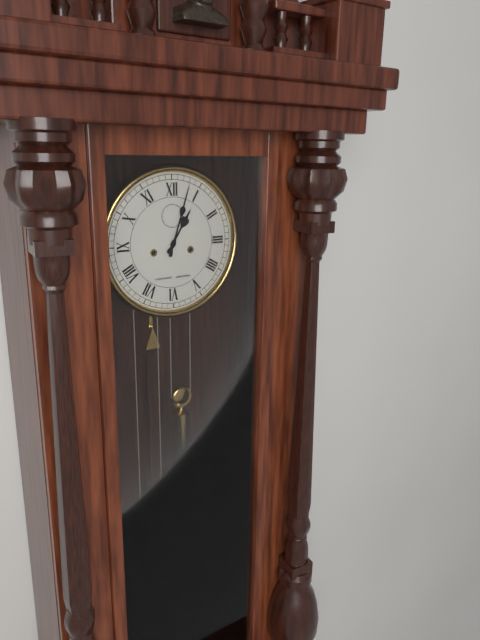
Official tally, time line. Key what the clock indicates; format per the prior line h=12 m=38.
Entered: h=1 m=3
